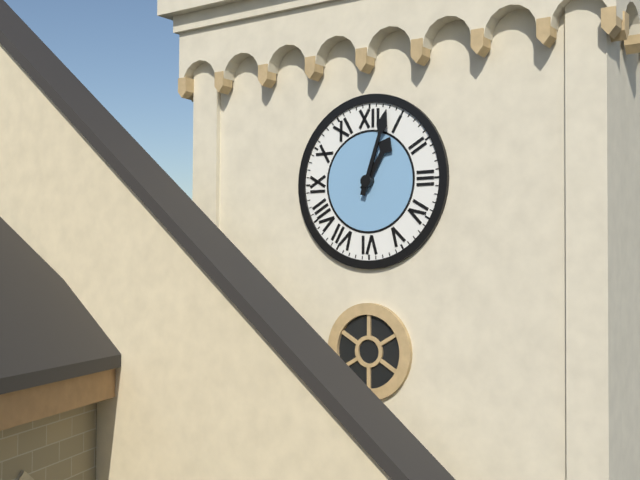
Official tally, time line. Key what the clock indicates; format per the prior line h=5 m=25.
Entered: h=1 m=3
